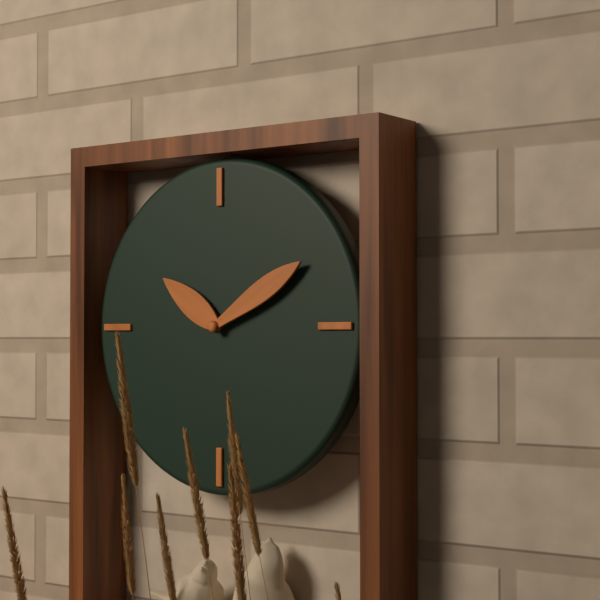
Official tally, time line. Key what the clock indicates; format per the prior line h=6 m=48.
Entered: h=10 m=10
